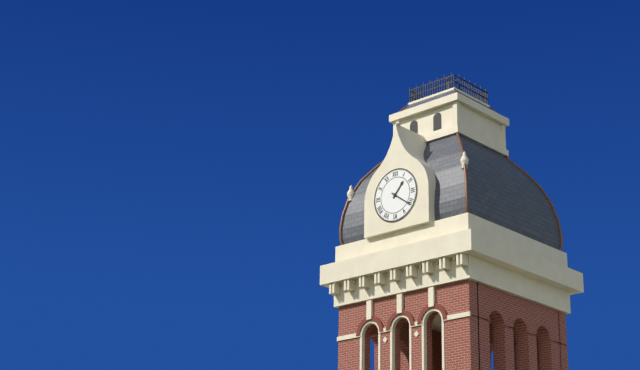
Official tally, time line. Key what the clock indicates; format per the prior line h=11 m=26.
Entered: h=1 m=21
